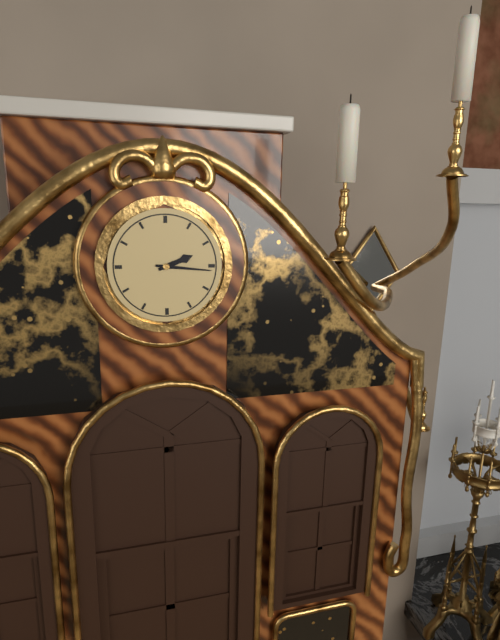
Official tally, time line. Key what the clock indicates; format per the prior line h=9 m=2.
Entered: h=2 m=16
